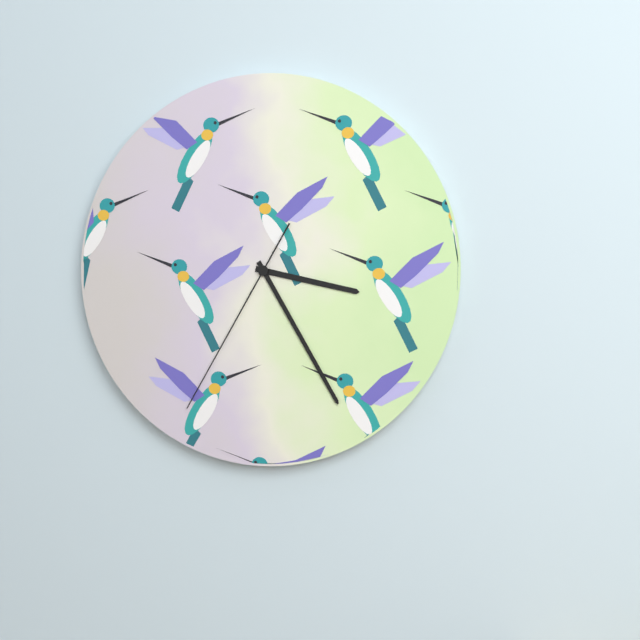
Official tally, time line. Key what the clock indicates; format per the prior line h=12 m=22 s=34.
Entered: h=3 m=25 s=35
